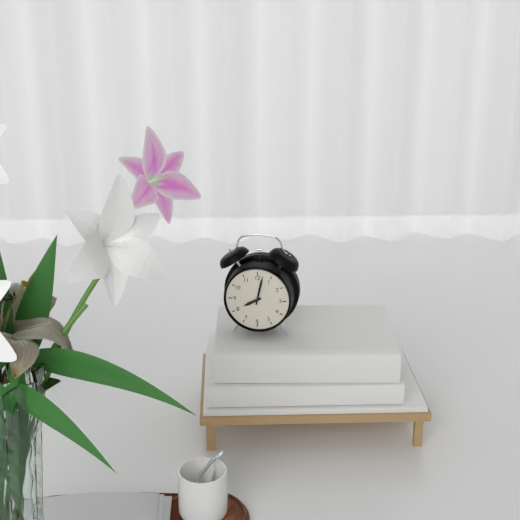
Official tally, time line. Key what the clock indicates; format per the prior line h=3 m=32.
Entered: h=8 m=2
